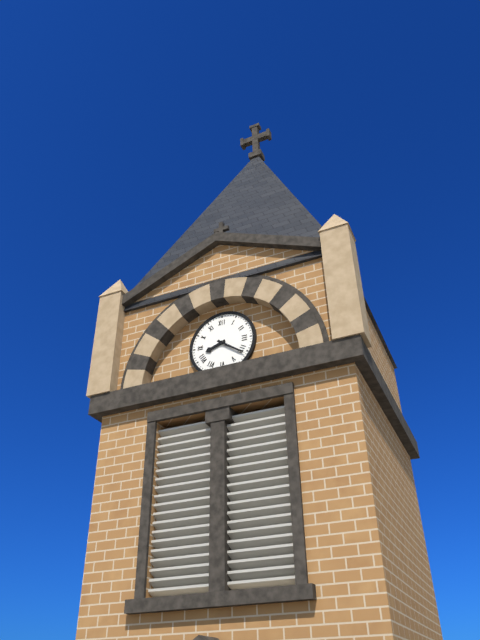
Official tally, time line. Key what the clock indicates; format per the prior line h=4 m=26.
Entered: h=8 m=21
